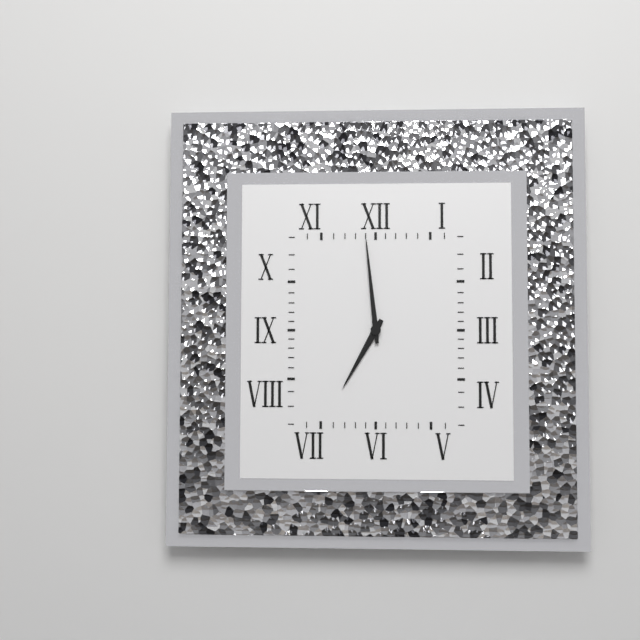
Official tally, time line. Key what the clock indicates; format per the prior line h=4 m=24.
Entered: h=6 m=59
